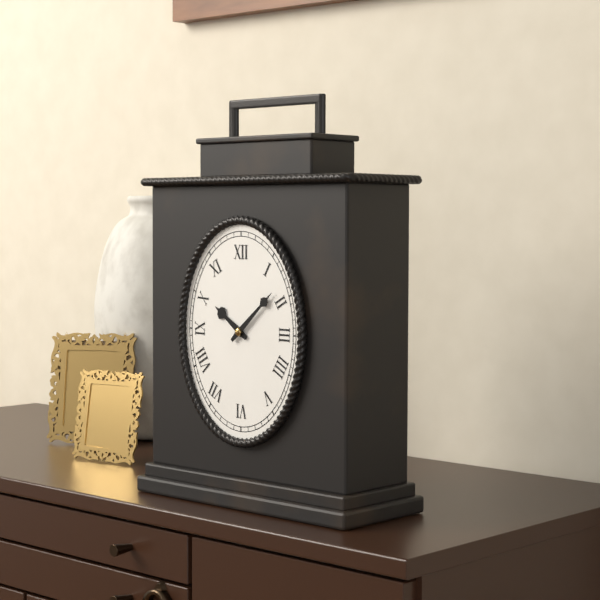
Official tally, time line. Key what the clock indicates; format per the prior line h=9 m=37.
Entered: h=10 m=8
